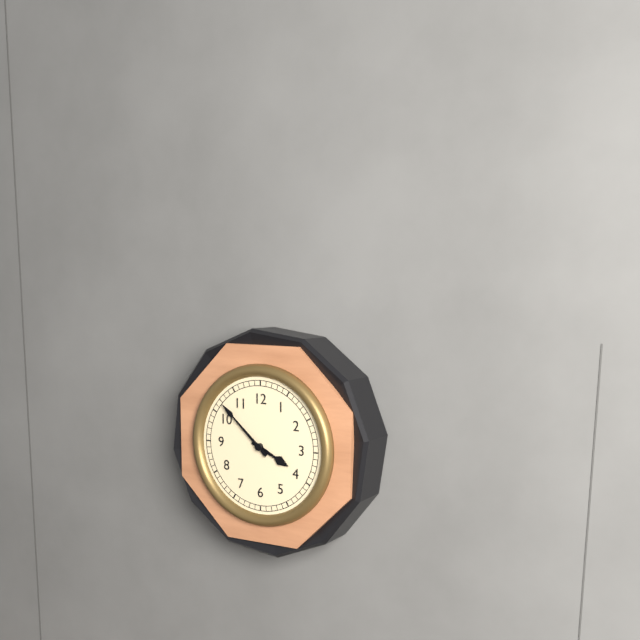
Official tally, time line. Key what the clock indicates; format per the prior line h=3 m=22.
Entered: h=3 m=52
